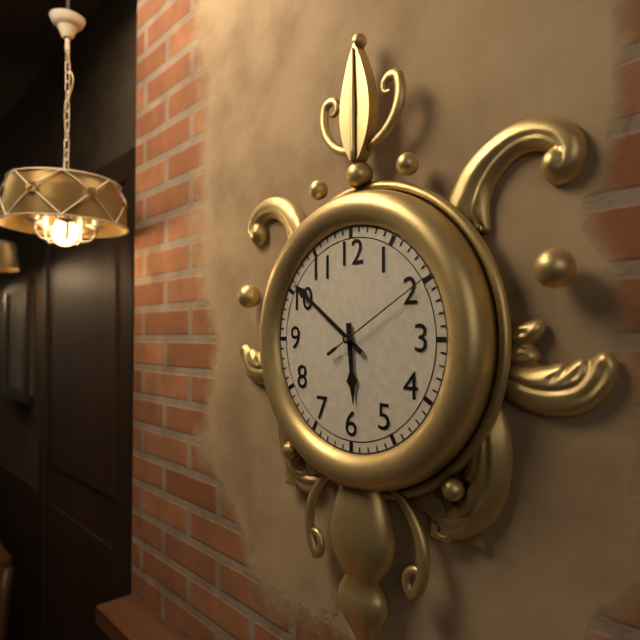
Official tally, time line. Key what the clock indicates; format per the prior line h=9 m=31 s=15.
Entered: h=5 m=51 s=10
